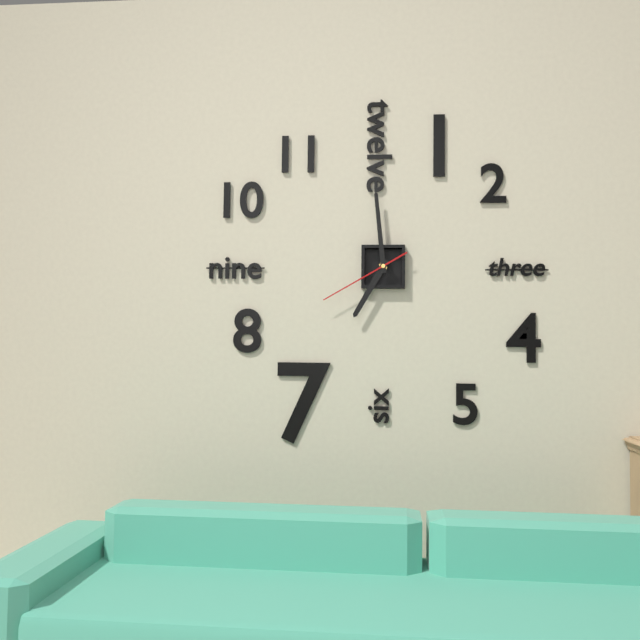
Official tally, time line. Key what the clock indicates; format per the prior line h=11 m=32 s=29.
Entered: h=6 m=59 s=40
